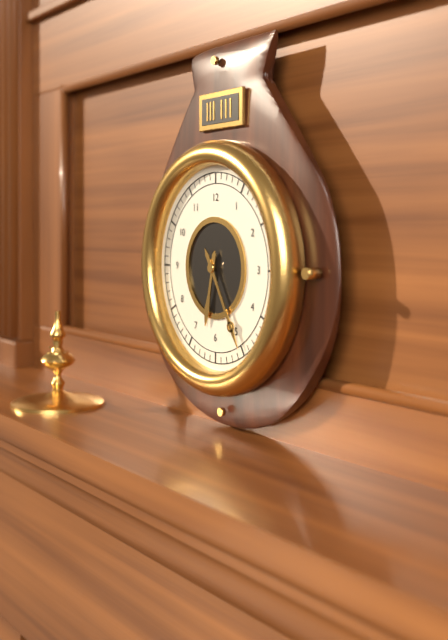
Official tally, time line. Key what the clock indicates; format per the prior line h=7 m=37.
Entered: h=6 m=25
